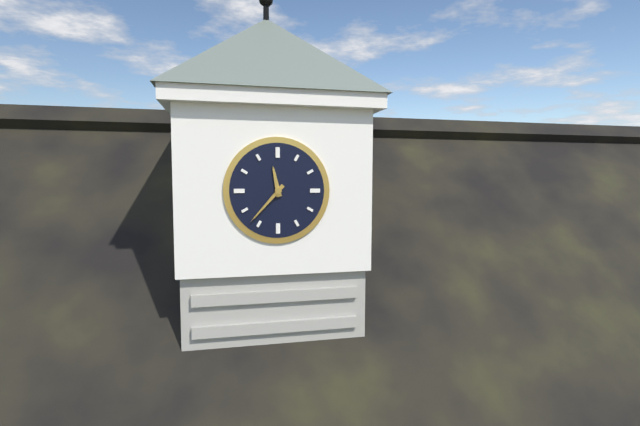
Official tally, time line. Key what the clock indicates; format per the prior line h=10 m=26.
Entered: h=11 m=37
